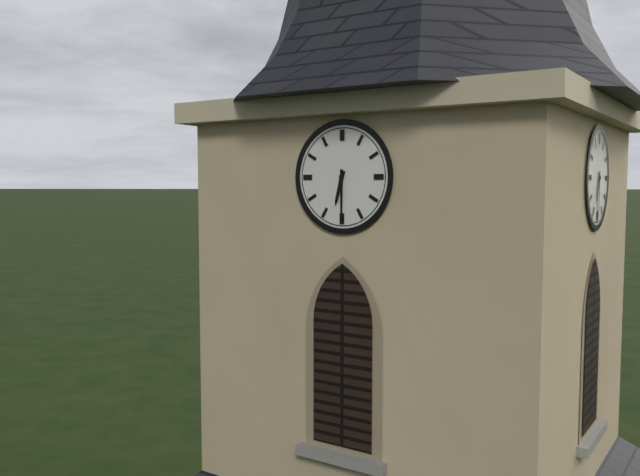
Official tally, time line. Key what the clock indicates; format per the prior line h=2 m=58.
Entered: h=6 m=30
